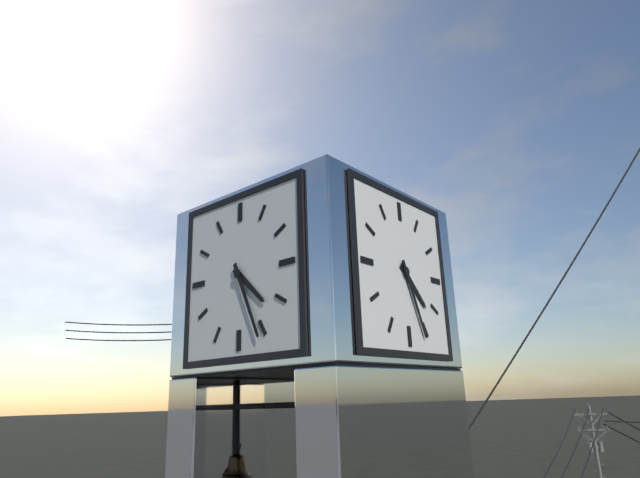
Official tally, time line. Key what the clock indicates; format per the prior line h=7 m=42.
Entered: h=4 m=26
